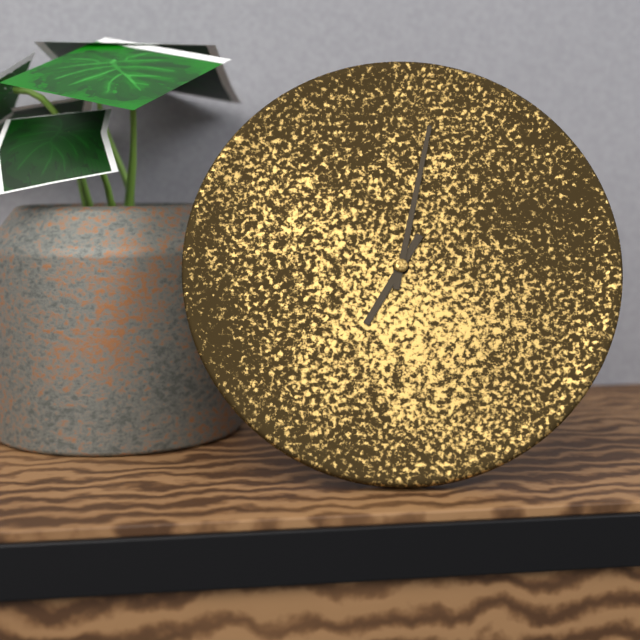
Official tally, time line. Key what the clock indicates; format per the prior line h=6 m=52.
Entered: h=7 m=2
